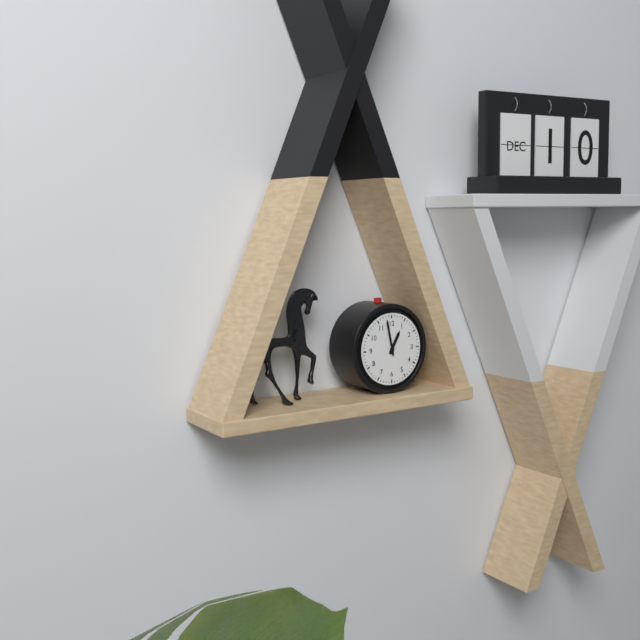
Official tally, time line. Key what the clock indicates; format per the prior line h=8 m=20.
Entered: h=12 m=58
